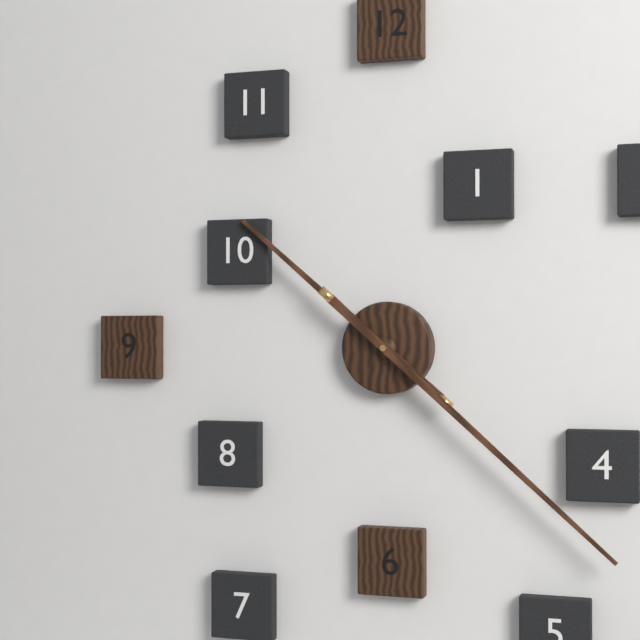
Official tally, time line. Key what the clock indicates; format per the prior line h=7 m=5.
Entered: h=10 m=22
